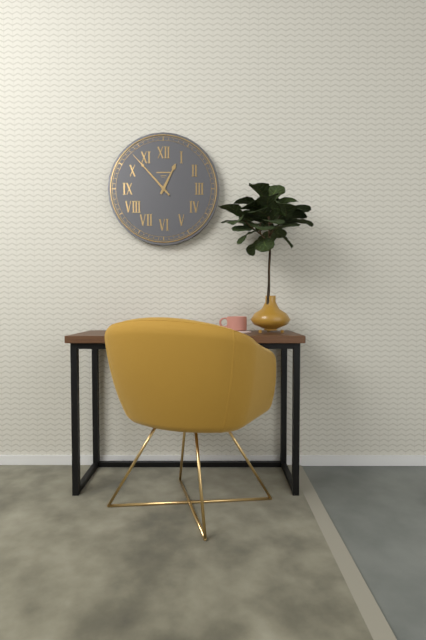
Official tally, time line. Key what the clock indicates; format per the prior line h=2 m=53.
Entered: h=12 m=53
